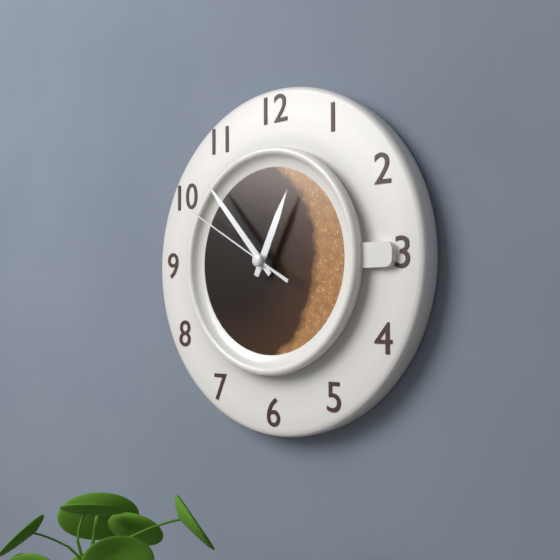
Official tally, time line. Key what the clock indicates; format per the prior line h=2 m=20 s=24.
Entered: h=12 m=53 s=50
